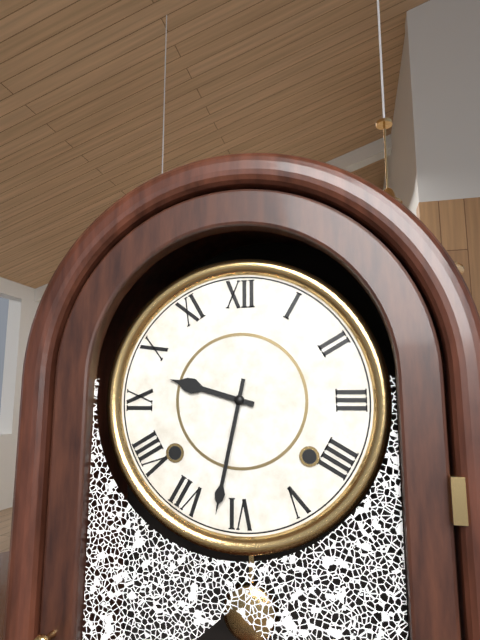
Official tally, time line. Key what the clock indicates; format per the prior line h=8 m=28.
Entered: h=9 m=32
